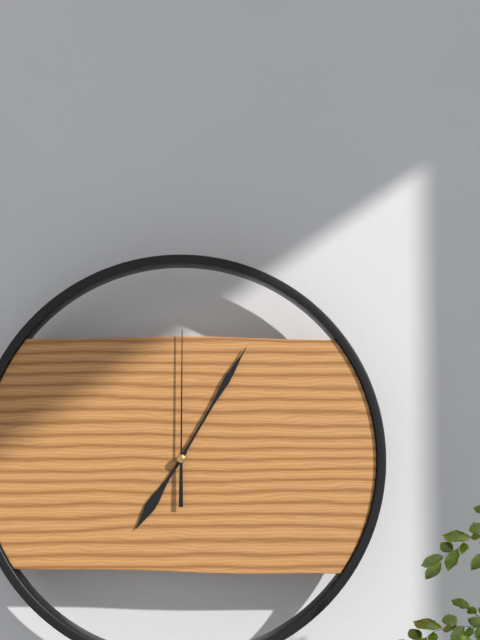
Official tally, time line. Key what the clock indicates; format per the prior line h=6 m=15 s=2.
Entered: h=7 m=5 s=0
